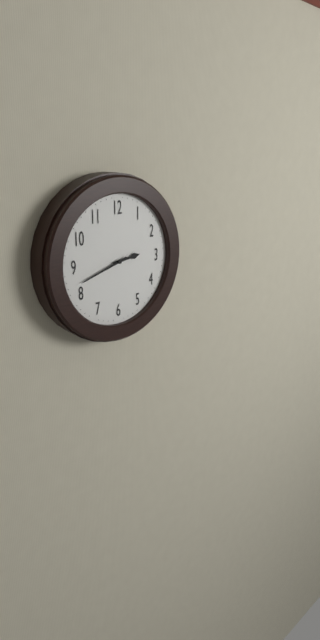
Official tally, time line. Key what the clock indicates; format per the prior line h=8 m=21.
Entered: h=2 m=42
